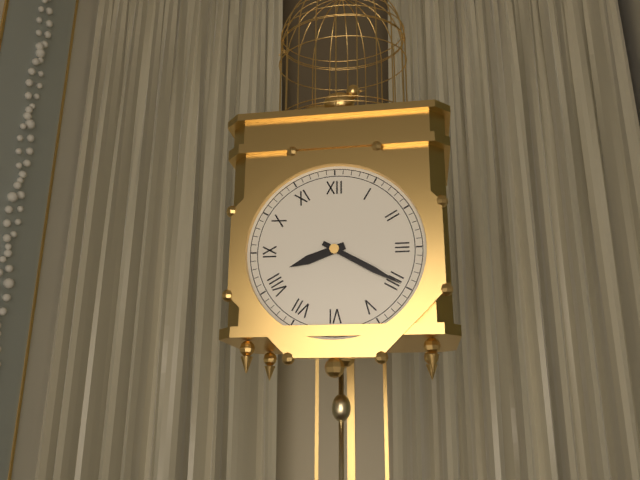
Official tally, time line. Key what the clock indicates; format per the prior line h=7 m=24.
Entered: h=8 m=20
